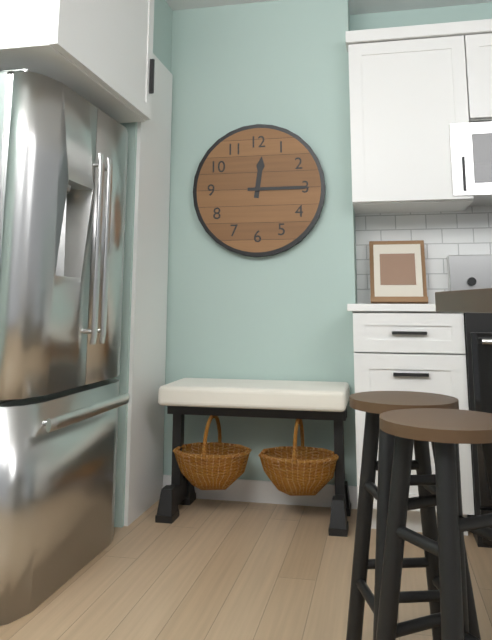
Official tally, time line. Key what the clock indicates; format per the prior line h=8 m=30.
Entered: h=12 m=15
